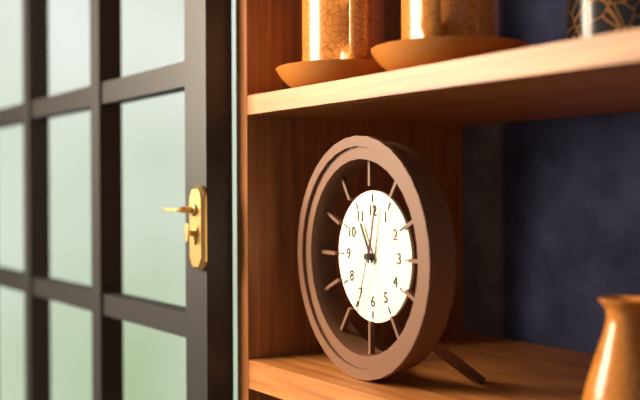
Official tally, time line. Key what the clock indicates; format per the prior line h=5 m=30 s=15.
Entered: h=11 m=2 s=33
